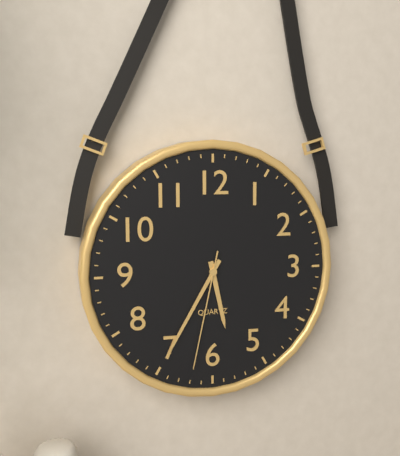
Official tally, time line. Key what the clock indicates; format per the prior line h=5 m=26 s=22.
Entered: h=5 m=35 s=32
